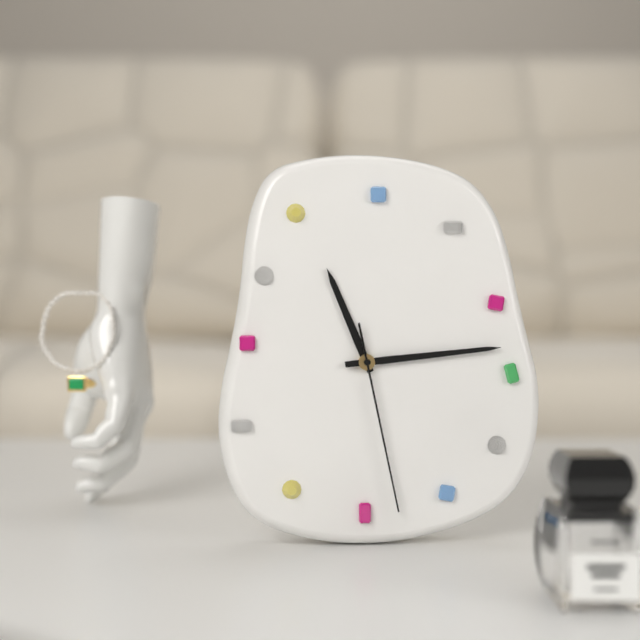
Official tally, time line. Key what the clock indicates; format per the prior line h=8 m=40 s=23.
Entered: h=11 m=14 s=28
